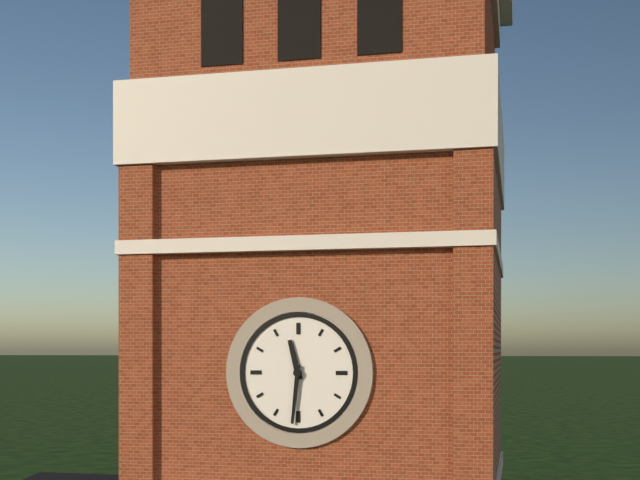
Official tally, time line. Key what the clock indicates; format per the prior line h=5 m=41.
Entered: h=11 m=31
